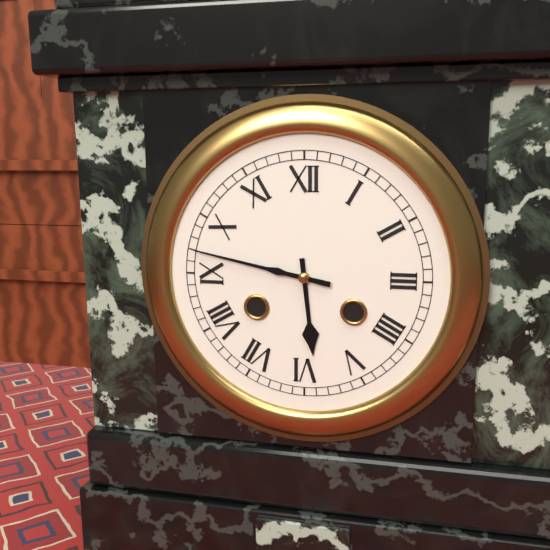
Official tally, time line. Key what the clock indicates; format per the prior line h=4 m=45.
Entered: h=5 m=47
